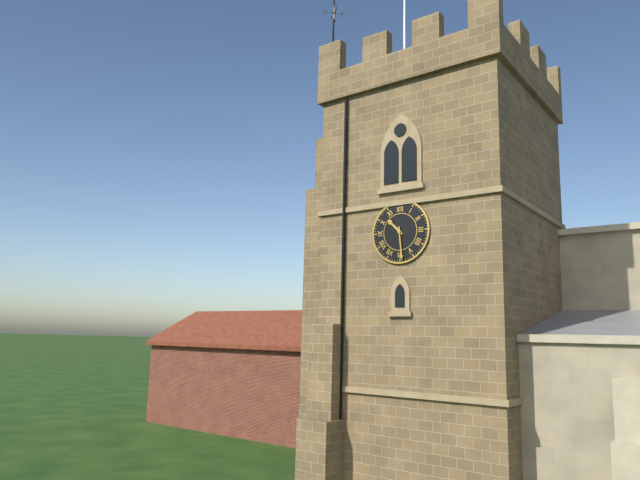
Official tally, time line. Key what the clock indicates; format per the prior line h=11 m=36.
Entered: h=10 m=29
